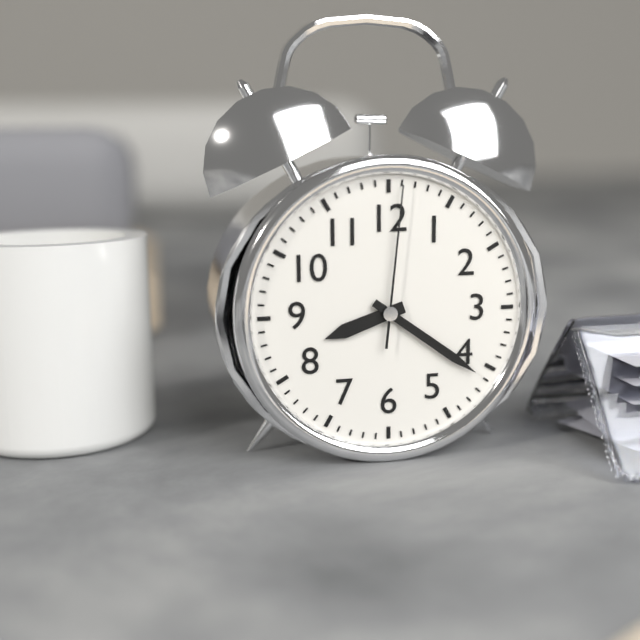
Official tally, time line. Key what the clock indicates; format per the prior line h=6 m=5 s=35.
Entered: h=8 m=21 s=1
